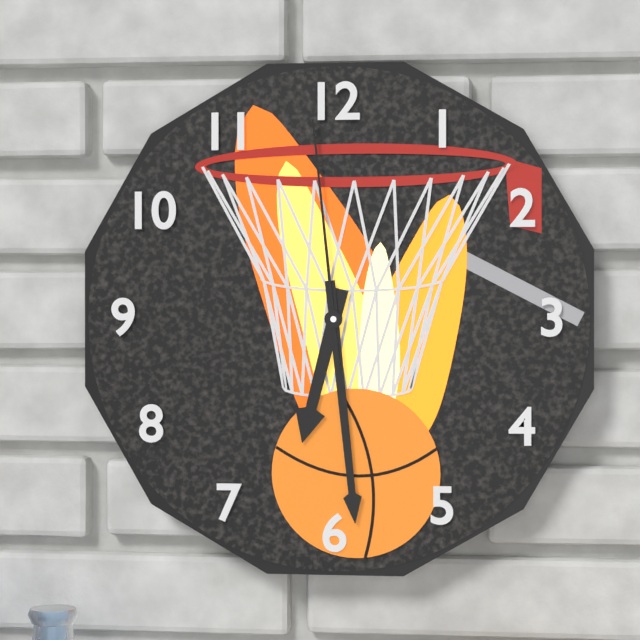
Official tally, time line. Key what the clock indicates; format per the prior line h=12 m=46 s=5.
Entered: h=6 m=29 s=59
